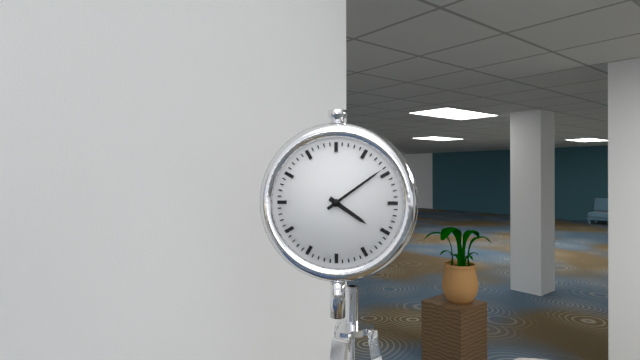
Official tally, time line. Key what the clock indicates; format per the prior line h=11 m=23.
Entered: h=4 m=9
